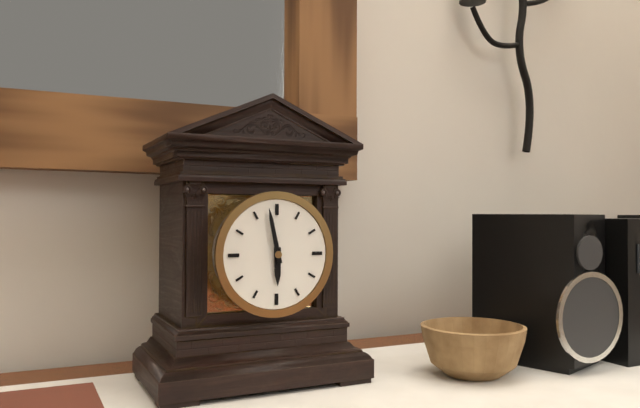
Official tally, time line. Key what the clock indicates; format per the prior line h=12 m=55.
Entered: h=5 m=58
